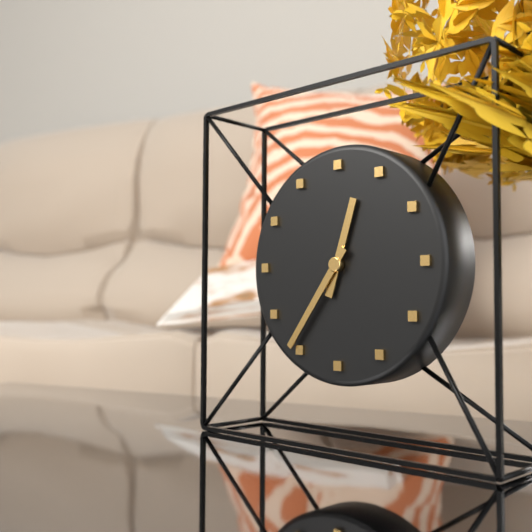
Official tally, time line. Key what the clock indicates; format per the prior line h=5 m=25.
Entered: h=12 m=36
